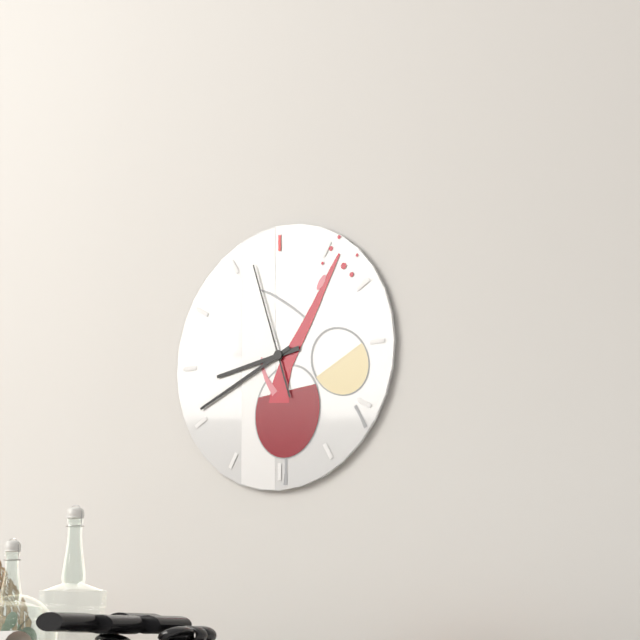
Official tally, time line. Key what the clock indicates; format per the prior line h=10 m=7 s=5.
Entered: h=8 m=41 s=57
